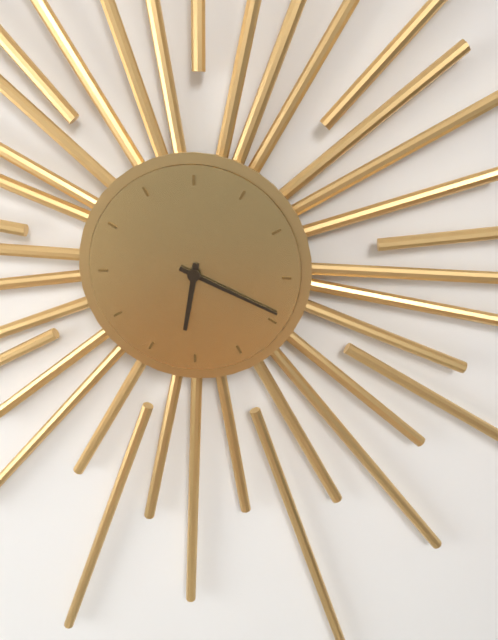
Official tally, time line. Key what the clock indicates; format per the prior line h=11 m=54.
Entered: h=6 m=19
